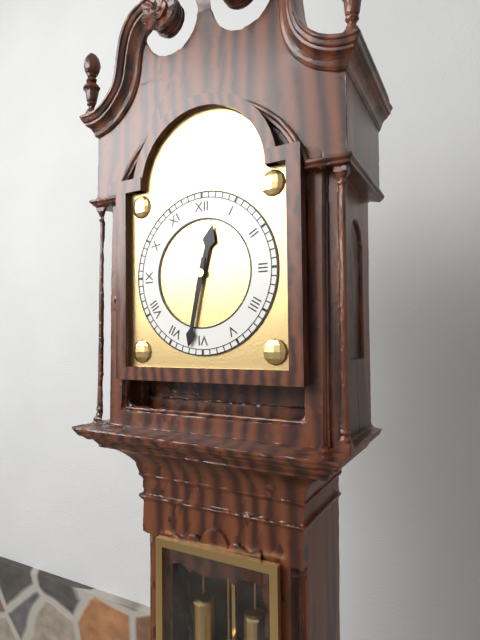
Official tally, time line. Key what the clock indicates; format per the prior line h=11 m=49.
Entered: h=12 m=32
